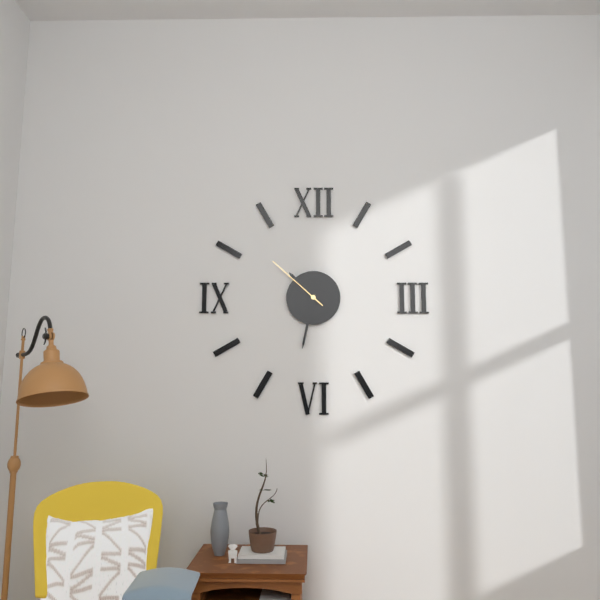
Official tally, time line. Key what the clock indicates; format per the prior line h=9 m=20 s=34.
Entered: h=10 m=32 s=52
